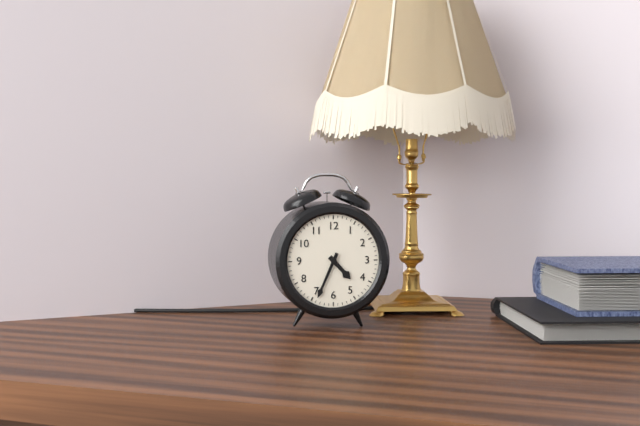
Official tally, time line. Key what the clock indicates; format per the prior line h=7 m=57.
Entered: h=4 m=34
